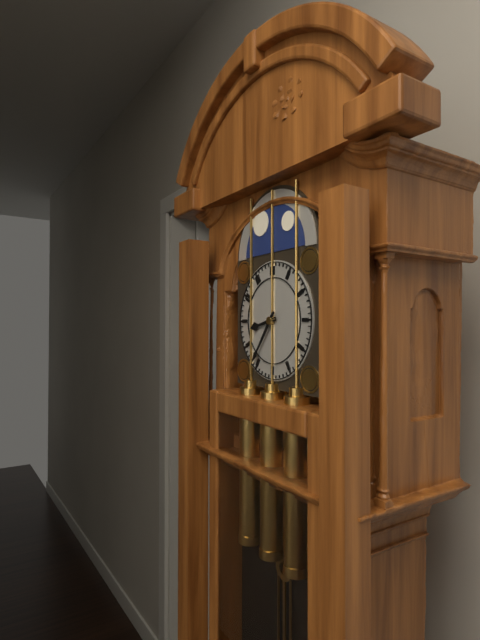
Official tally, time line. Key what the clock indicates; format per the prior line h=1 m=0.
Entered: h=8 m=36
